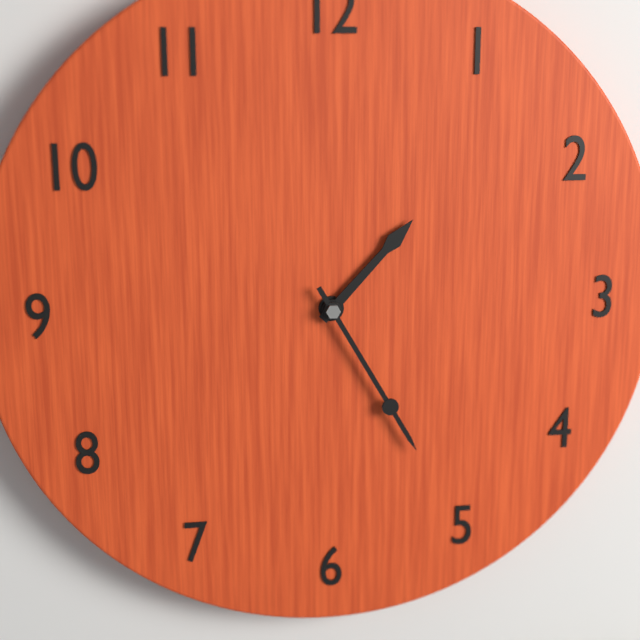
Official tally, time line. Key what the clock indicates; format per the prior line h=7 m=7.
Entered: h=1 m=25
